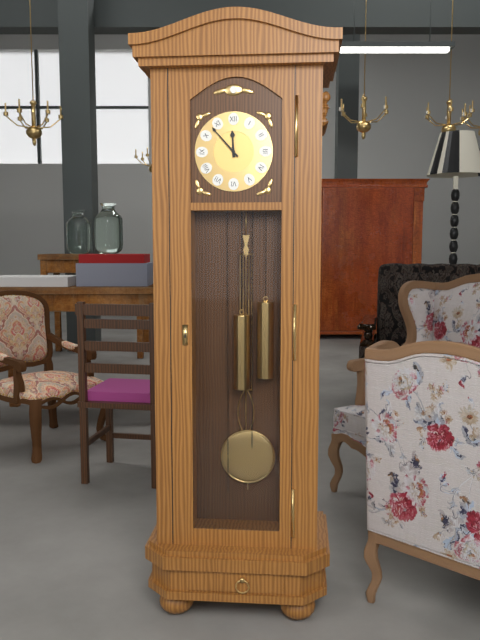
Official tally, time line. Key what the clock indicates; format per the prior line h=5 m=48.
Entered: h=11 m=53
